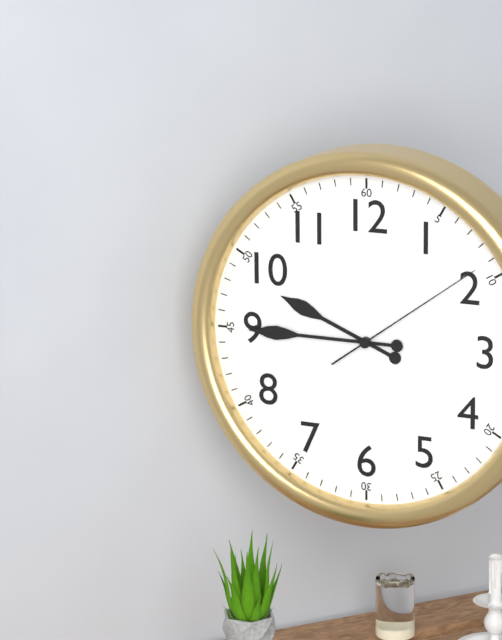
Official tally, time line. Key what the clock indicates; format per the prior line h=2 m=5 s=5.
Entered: h=9 m=45 s=9
